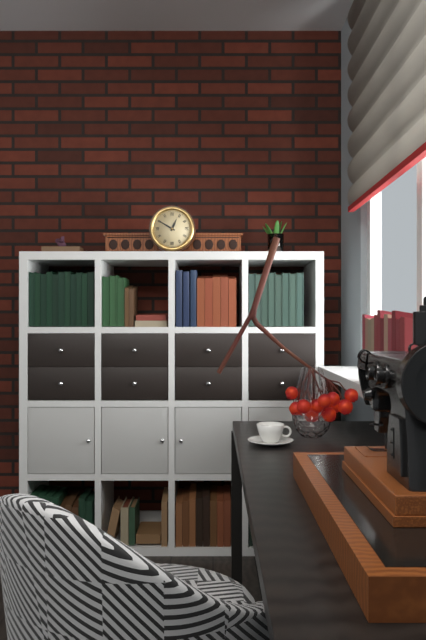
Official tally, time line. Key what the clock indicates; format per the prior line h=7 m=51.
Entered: h=12 m=50
